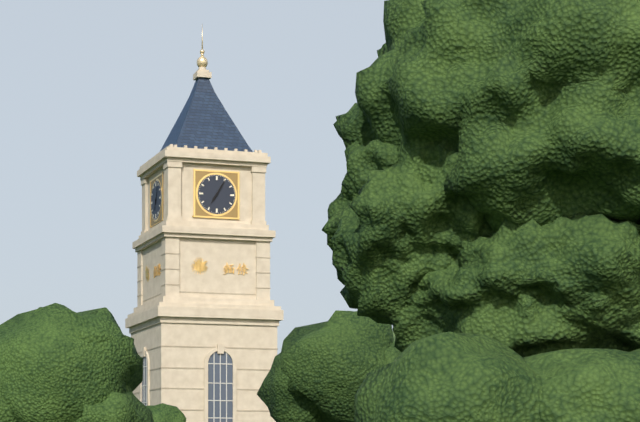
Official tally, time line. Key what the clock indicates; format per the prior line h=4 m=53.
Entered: h=7 m=5
